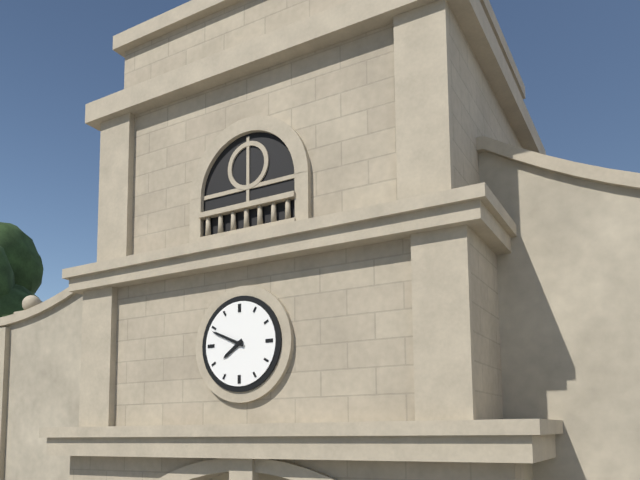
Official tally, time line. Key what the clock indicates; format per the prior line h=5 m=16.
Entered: h=7 m=49
